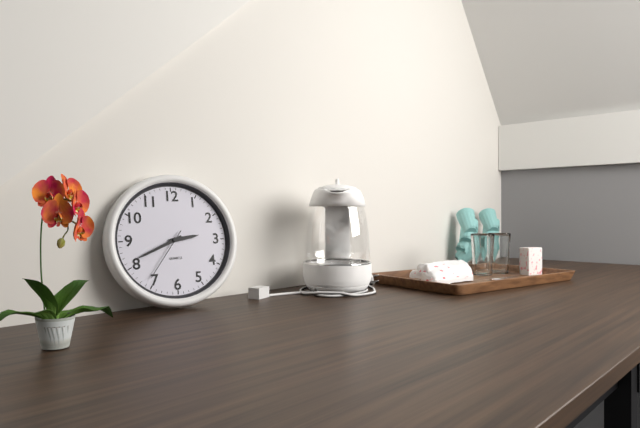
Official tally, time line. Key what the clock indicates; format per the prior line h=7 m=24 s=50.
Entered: h=2 m=41 s=36
